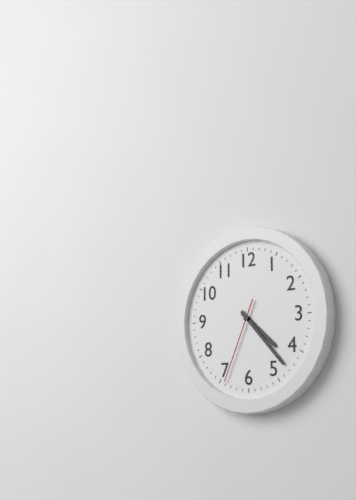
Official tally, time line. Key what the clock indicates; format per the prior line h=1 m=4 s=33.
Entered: h=4 m=23 s=34
